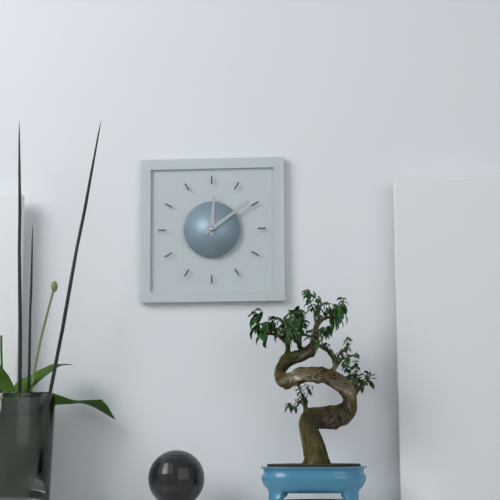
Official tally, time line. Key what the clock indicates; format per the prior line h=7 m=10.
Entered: h=12 m=9
